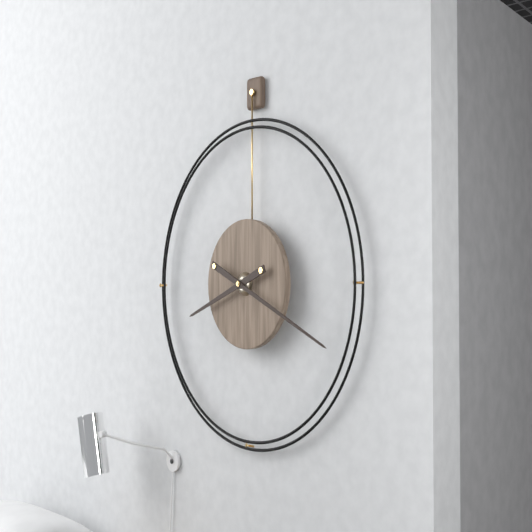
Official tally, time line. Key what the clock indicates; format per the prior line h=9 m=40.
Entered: h=8 m=19
